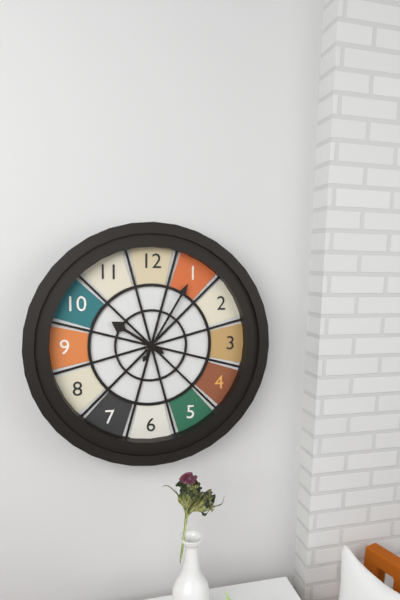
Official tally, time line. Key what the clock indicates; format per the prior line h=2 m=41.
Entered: h=10 m=5
